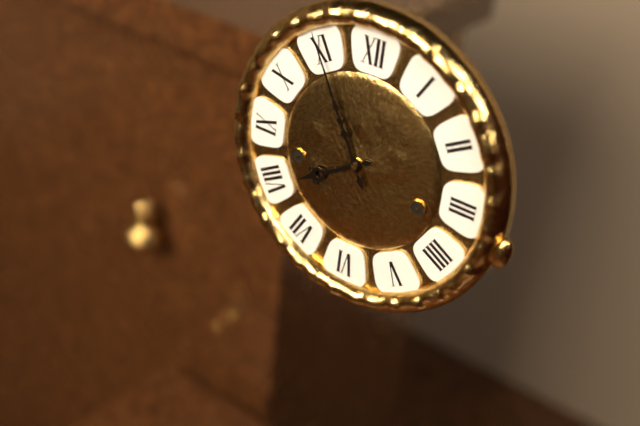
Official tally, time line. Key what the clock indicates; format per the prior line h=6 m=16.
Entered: h=7 m=55
